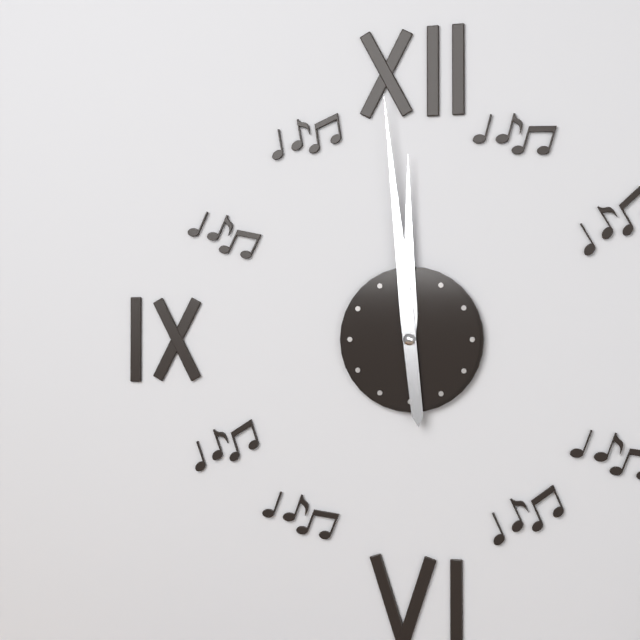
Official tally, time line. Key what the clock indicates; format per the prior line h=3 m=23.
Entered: h=11 m=59
